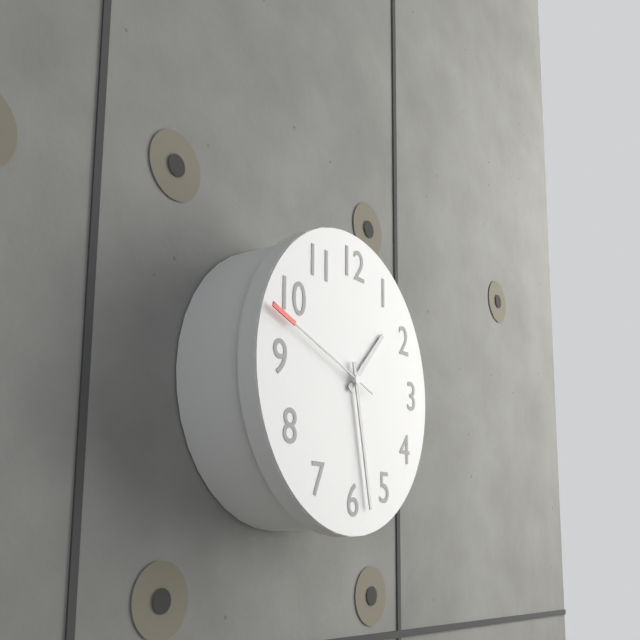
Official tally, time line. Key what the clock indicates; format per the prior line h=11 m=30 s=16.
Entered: h=1 m=28 s=48
